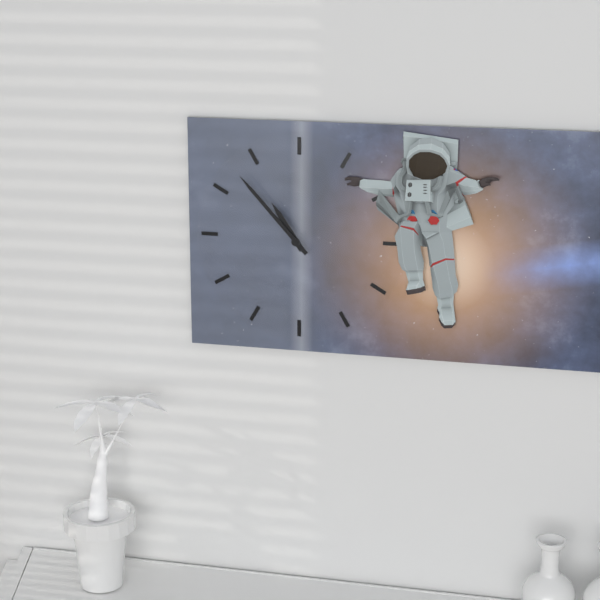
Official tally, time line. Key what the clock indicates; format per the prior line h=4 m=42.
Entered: h=10 m=53
